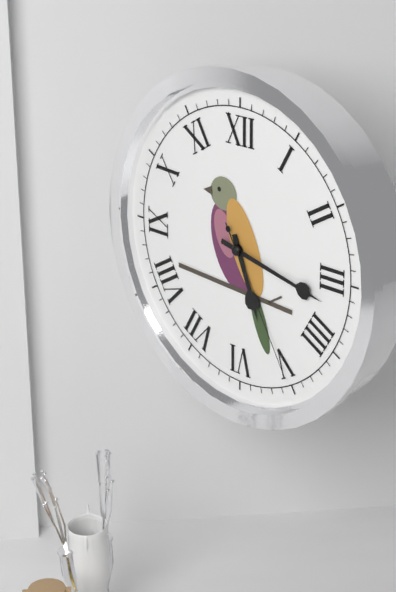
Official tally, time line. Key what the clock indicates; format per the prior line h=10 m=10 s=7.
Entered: h=5 m=17 s=25
